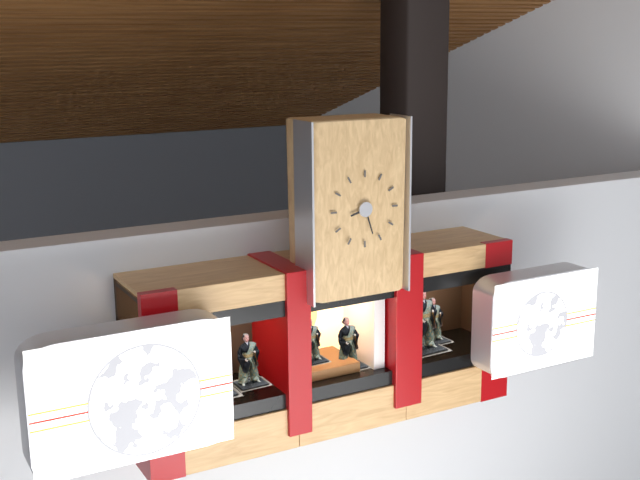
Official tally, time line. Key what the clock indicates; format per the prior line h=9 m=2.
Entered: h=8 m=27
